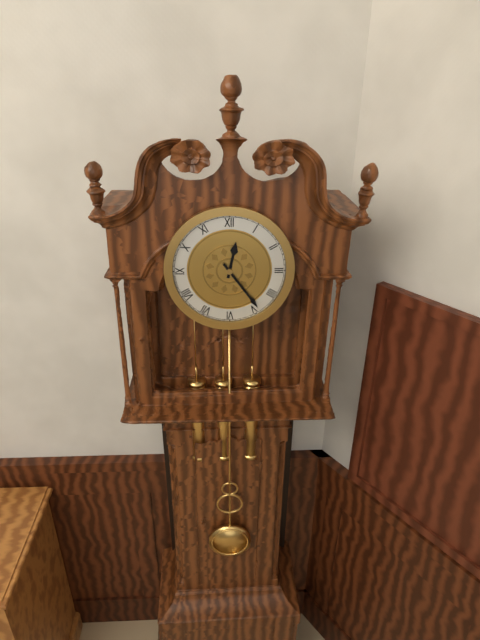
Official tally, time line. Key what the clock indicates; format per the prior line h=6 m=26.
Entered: h=12 m=24
